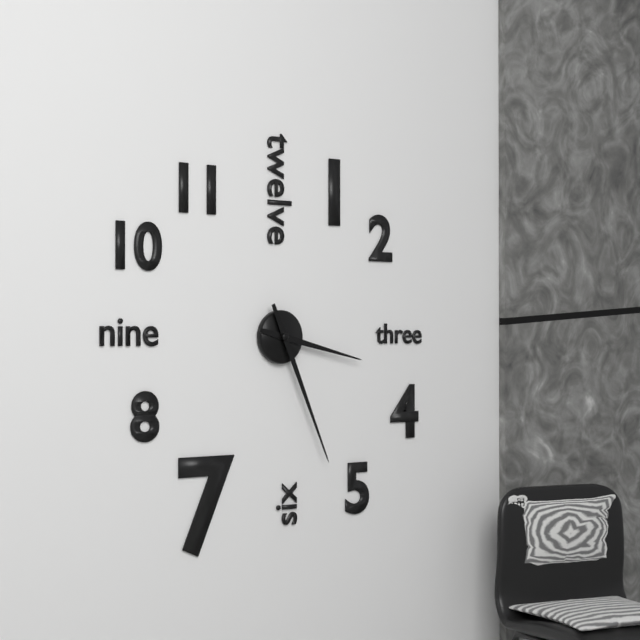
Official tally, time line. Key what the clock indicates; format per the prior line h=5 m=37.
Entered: h=3 m=26
